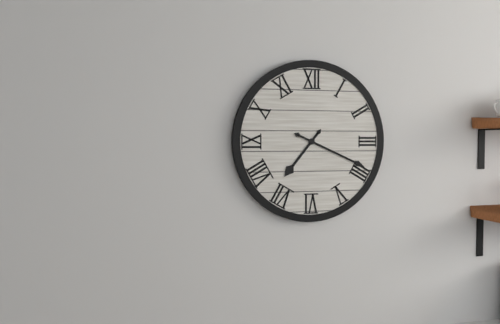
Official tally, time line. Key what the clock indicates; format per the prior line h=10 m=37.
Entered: h=7 m=19
